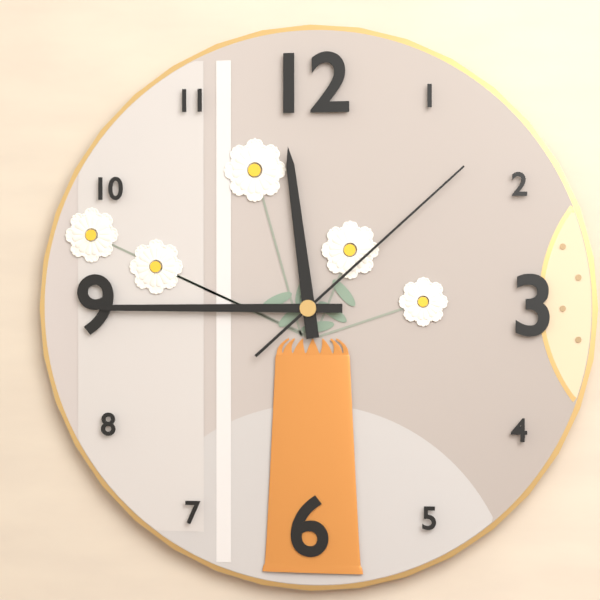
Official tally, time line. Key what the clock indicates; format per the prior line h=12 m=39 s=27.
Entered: h=11 m=45 s=8
